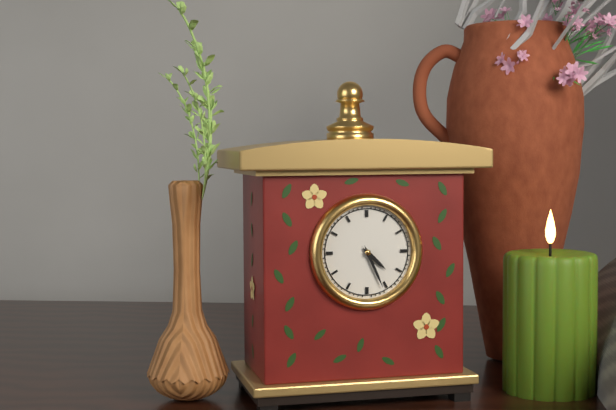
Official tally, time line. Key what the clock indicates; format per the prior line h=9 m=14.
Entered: h=4 m=26
